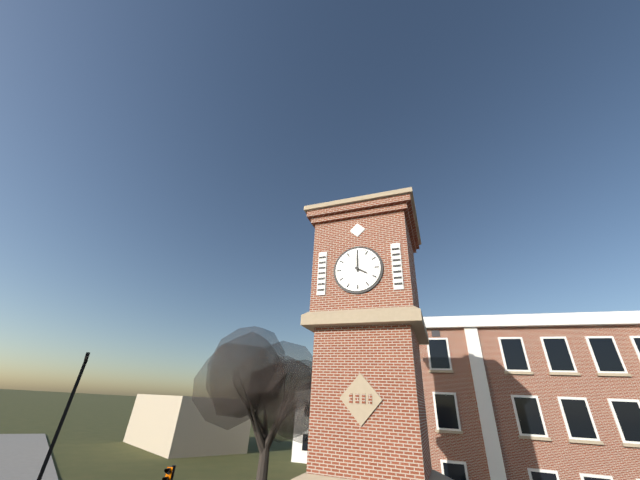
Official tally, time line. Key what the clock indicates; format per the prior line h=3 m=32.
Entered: h=4 m=0
